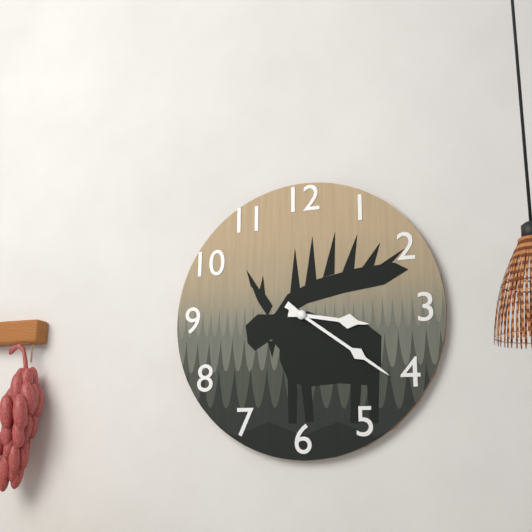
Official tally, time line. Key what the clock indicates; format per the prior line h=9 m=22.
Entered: h=3 m=21
